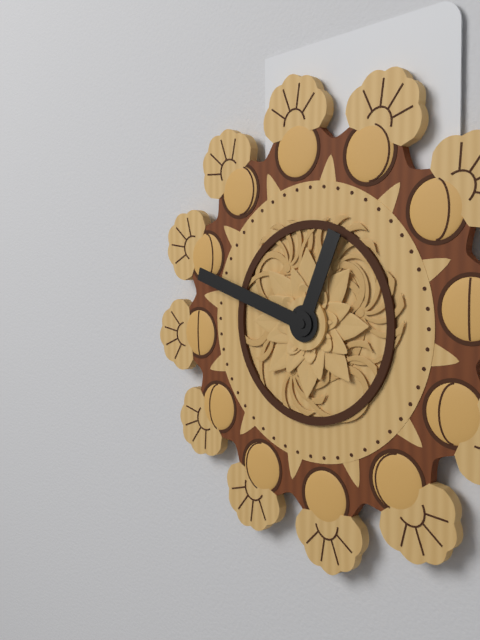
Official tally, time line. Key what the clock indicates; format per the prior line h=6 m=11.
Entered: h=12 m=48
